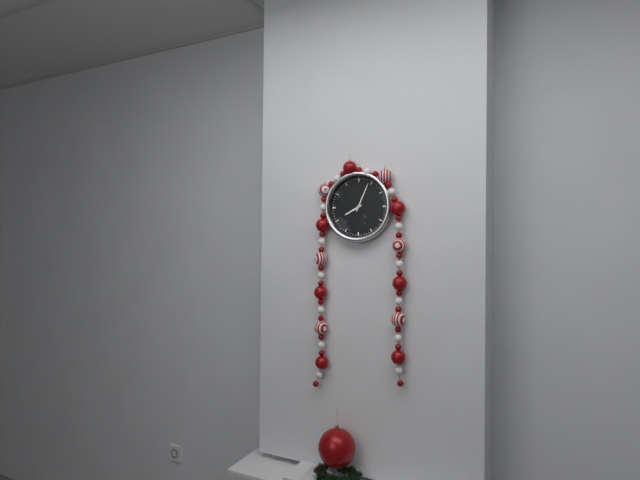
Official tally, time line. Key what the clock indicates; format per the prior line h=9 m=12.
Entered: h=8 m=4
